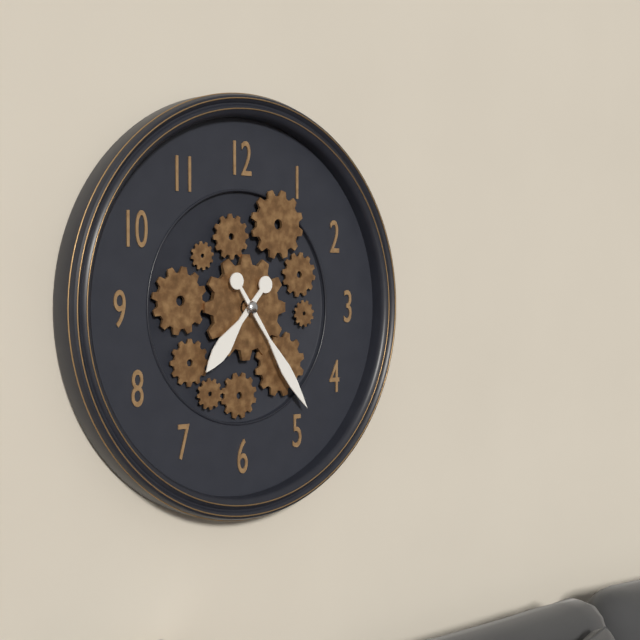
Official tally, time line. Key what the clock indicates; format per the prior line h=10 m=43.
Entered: h=7 m=24
